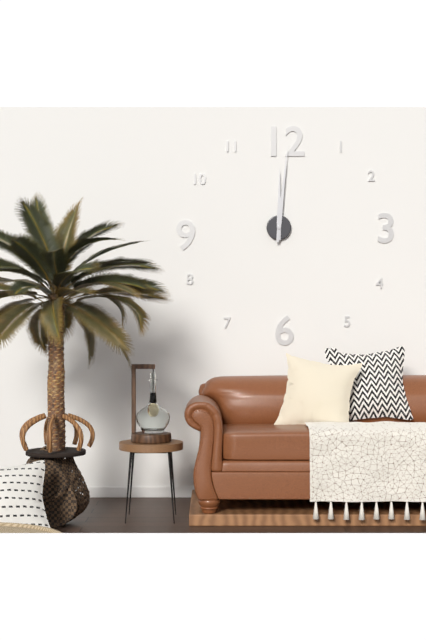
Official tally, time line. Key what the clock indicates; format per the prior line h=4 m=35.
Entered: h=12 m=1
